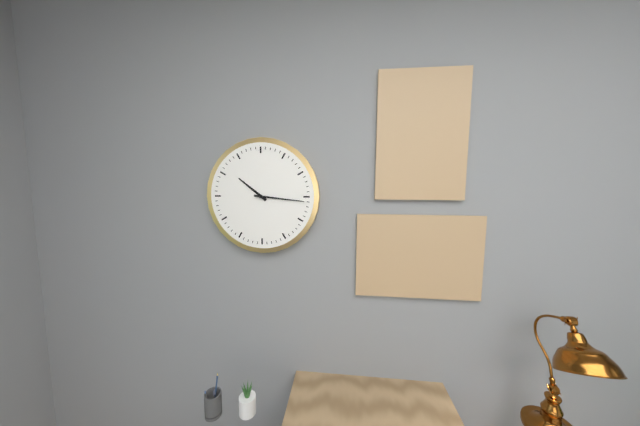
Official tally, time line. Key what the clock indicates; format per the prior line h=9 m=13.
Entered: h=10 m=16
